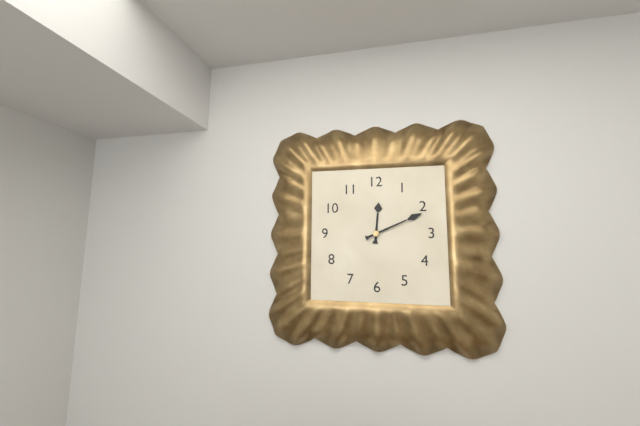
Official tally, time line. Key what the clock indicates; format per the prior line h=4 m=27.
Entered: h=12 m=11
